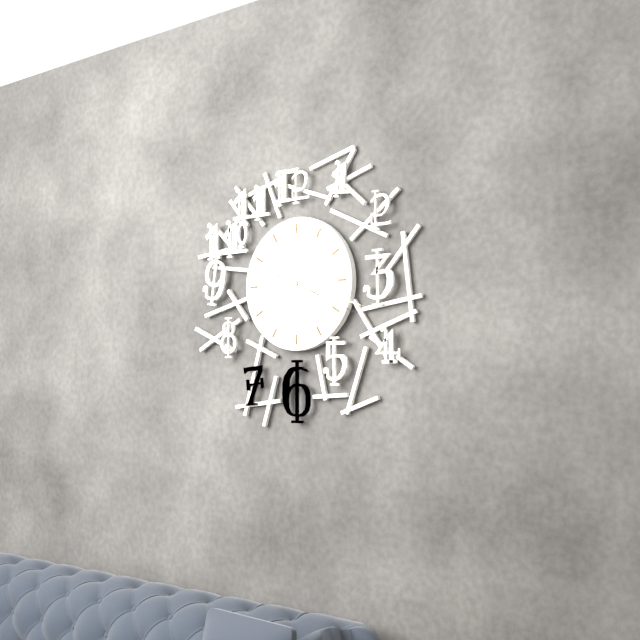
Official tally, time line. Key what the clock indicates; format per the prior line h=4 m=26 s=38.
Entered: h=3 m=18 s=19
